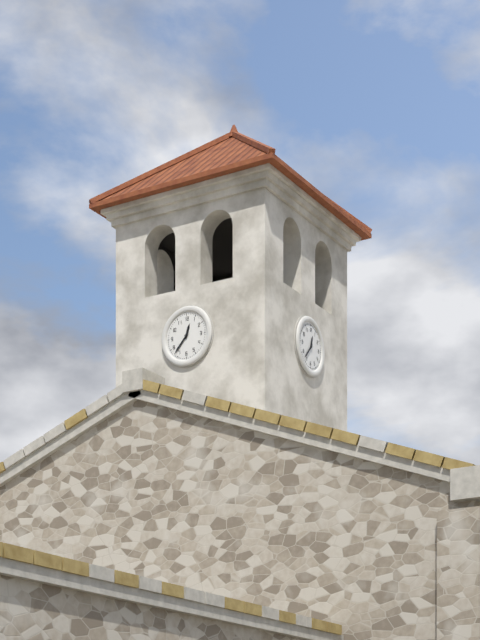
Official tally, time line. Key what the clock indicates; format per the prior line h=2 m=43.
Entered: h=12 m=37
